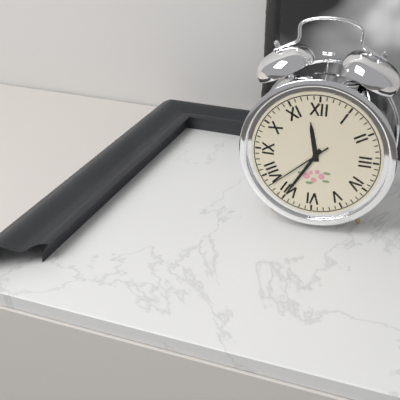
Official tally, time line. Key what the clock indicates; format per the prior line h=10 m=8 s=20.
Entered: h=11 m=35 s=38
